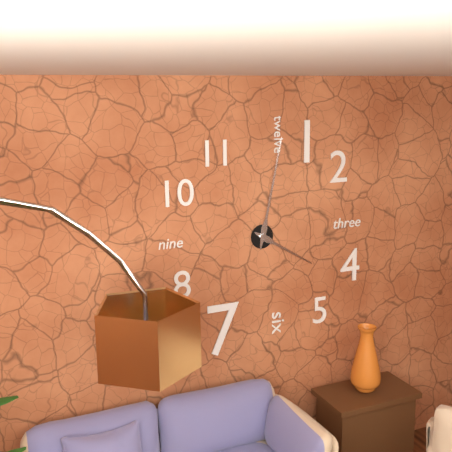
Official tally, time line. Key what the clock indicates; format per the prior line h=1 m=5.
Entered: h=4 m=2
